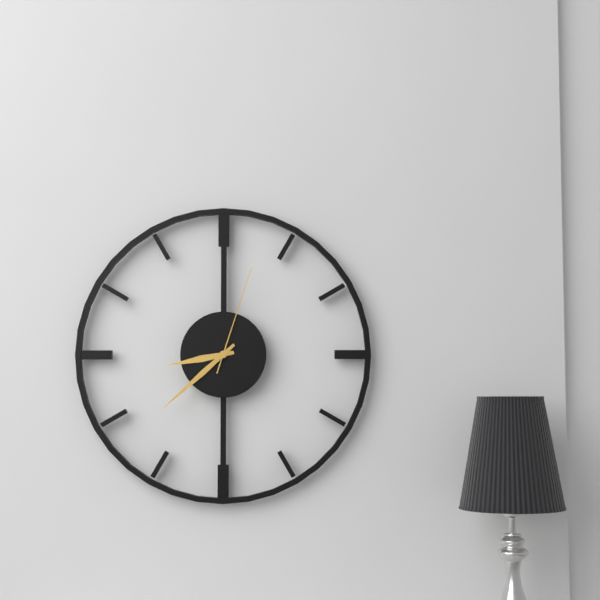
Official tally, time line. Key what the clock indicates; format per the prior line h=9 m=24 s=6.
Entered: h=8 m=38 s=3
